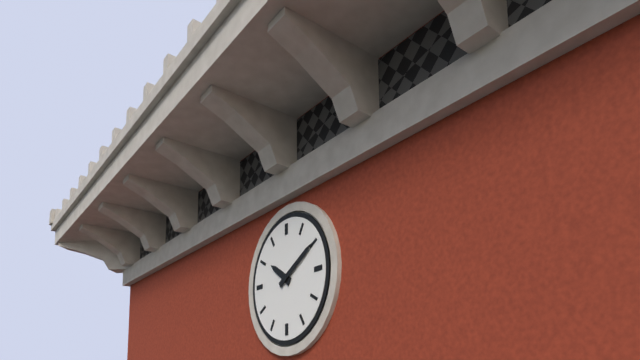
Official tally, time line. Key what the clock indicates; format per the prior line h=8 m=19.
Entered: h=10 m=10
